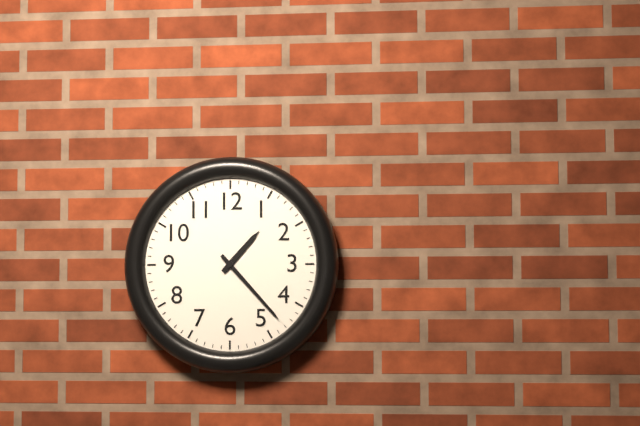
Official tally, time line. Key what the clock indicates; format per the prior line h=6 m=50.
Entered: h=1 m=23
